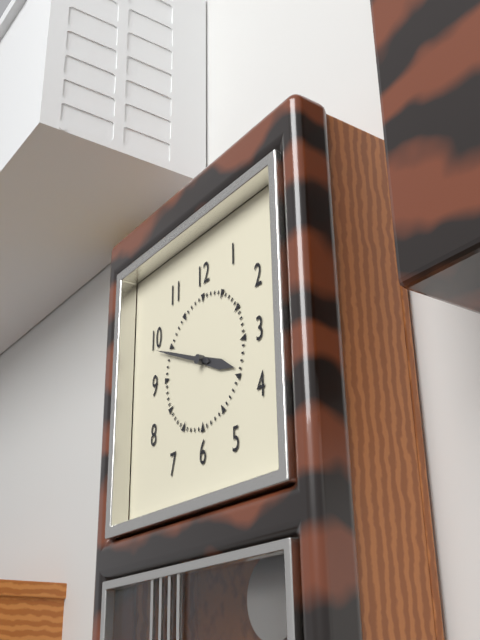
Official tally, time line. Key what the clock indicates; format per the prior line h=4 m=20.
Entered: h=3 m=49
